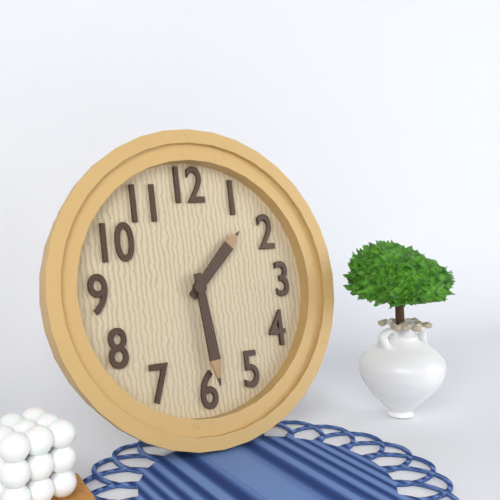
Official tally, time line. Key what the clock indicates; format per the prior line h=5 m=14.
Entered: h=1 m=29
